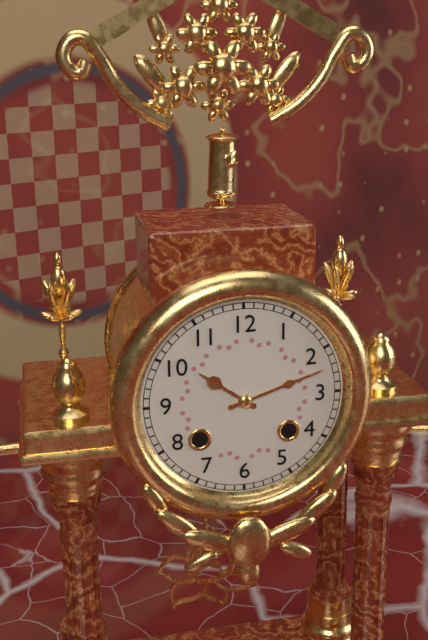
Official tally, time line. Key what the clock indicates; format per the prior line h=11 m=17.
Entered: h=10 m=12
